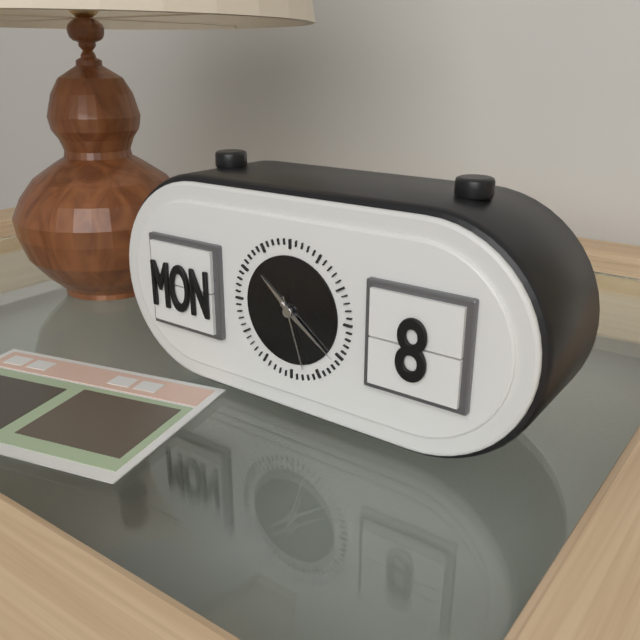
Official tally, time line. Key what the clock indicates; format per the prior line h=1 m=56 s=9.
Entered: h=10 m=21 s=27
